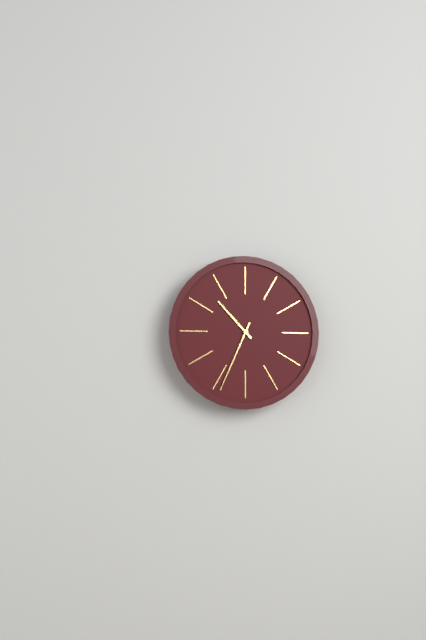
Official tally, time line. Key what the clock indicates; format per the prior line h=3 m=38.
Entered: h=10 m=34
